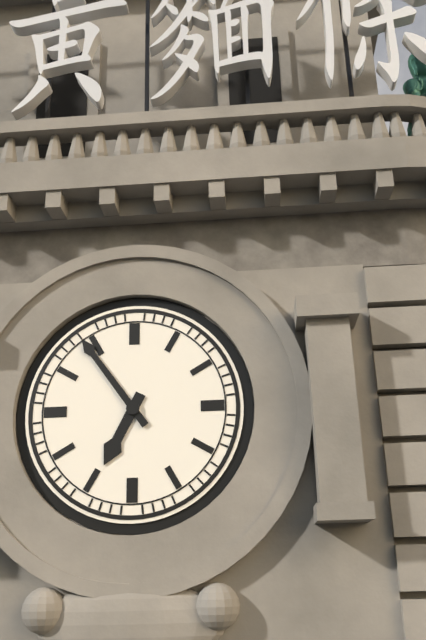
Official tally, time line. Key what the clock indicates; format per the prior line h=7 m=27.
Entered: h=6 m=54
